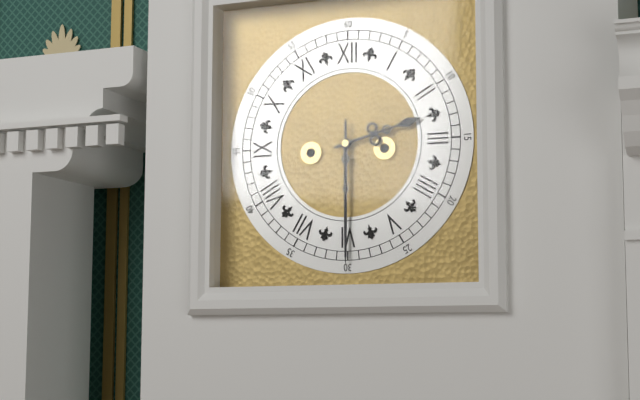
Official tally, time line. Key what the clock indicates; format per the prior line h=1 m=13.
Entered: h=2 m=30
